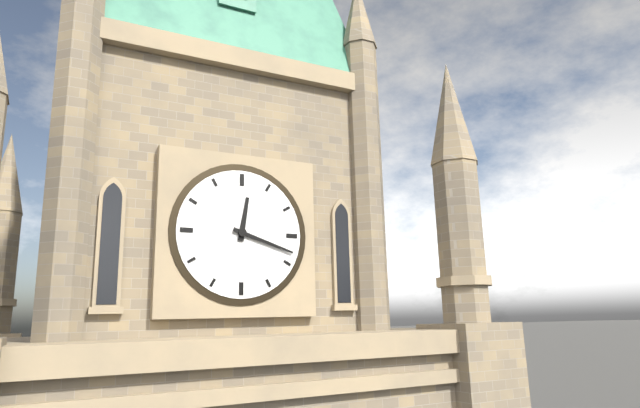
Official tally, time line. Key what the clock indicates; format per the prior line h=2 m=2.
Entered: h=12 m=18
